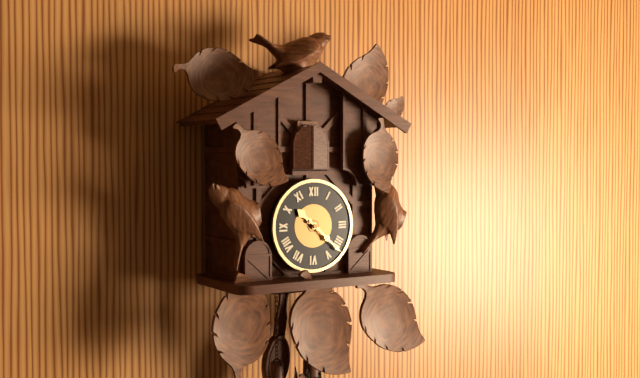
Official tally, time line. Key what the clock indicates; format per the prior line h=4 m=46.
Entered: h=10 m=22
